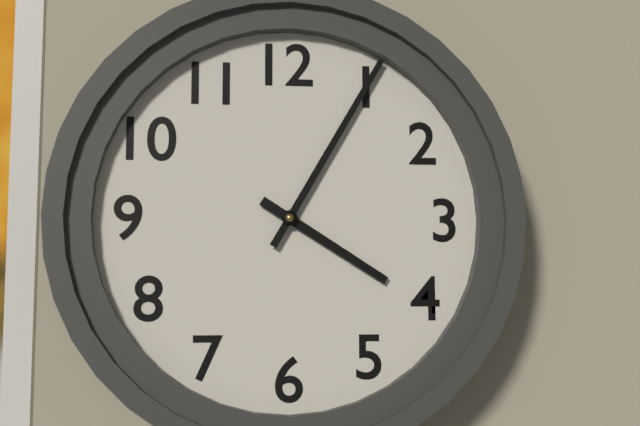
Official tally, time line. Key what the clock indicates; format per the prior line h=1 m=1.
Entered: h=4 m=5
